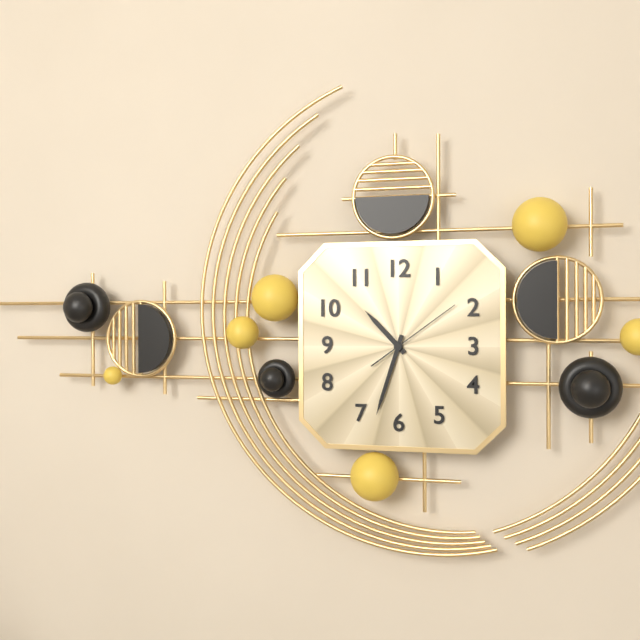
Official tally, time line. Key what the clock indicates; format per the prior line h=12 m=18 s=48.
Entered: h=10 m=33 s=9
